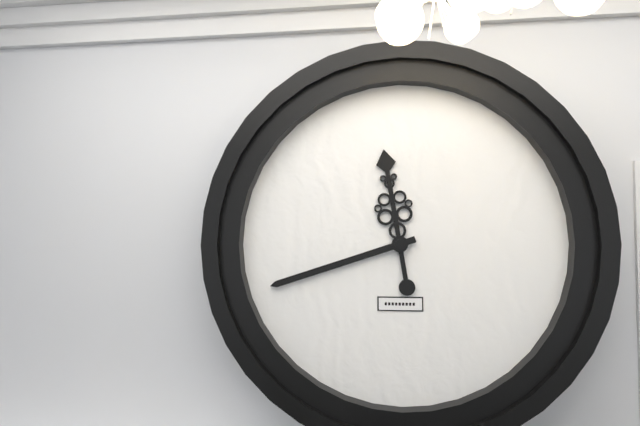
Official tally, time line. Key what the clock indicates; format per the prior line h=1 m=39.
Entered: h=11 m=42
